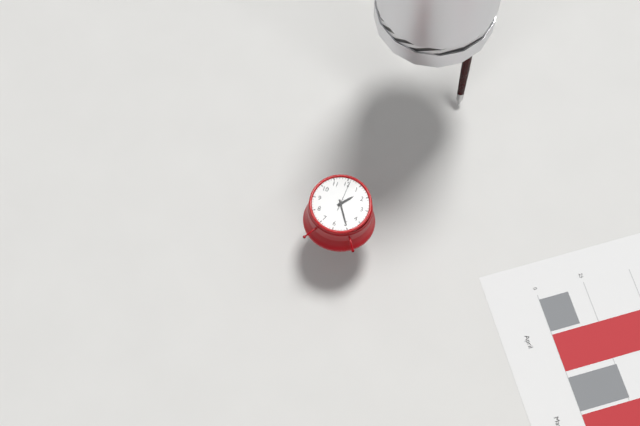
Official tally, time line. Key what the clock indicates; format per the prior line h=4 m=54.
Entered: h=1 m=25
